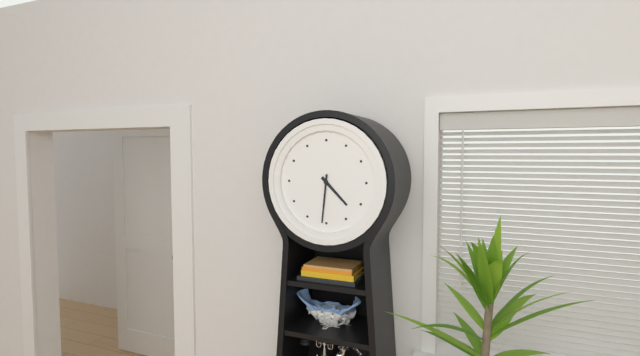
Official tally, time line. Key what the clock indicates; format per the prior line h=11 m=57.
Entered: h=4 m=31
